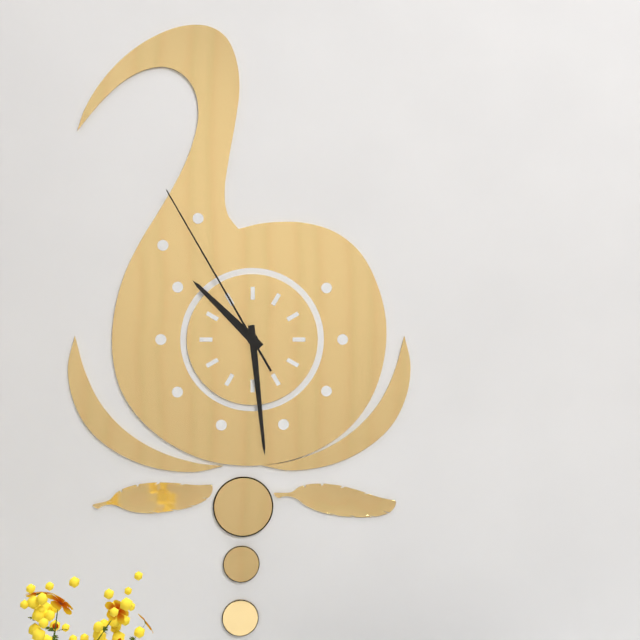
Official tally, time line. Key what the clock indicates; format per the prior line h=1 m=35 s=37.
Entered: h=10 m=29 s=55
